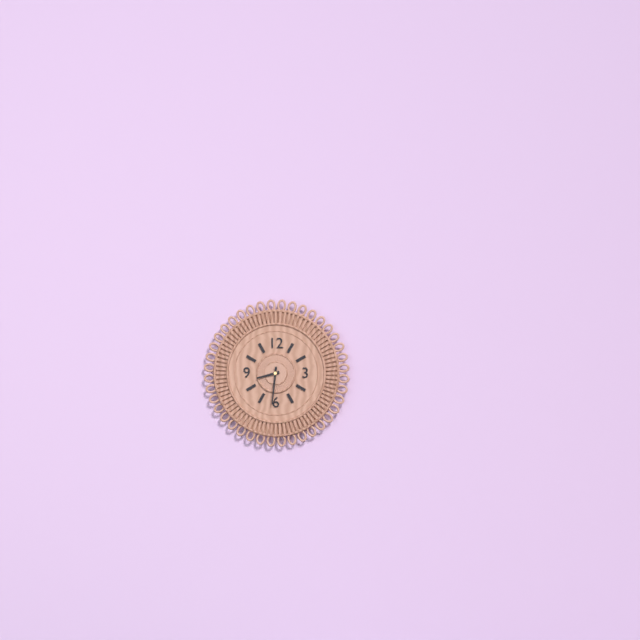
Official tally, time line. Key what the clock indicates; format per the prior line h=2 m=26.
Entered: h=8 m=31
